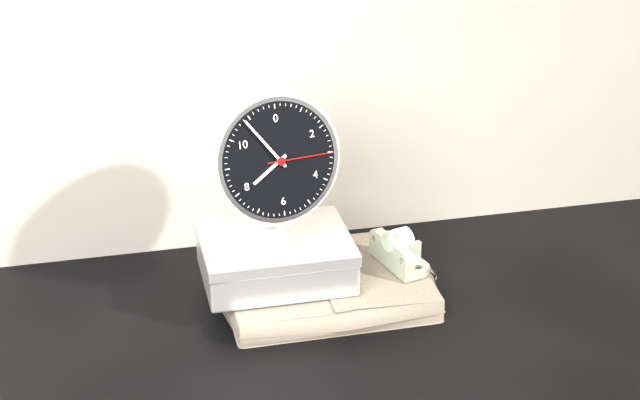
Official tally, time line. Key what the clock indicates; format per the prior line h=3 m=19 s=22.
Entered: h=7 m=54 s=15
